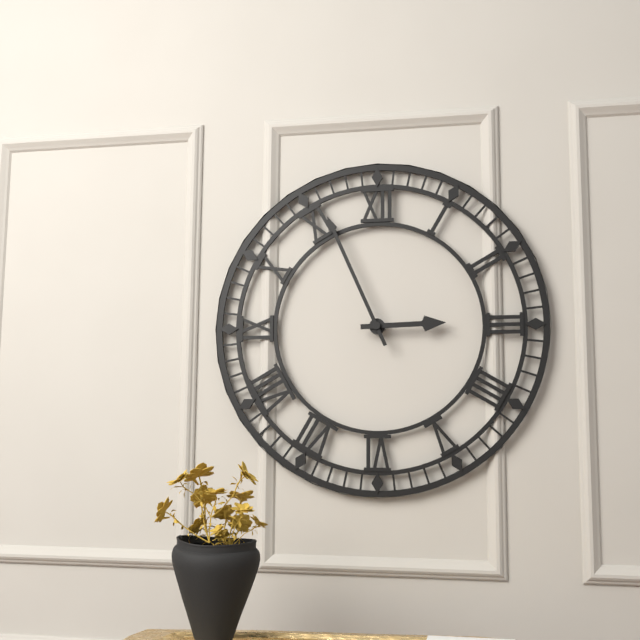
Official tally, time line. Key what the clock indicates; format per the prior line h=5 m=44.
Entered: h=2 m=56
